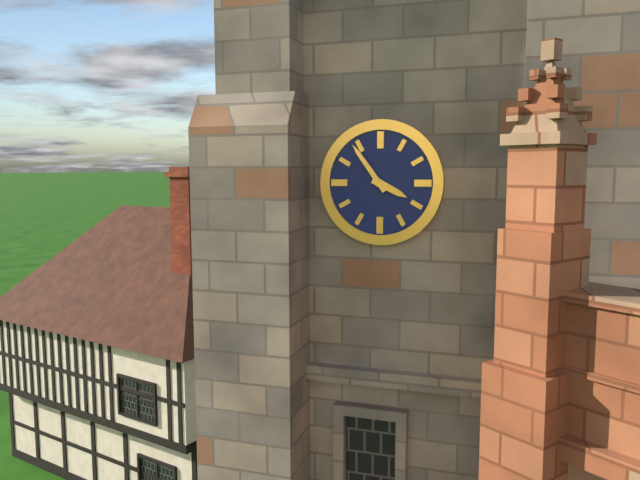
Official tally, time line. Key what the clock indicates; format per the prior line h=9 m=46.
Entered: h=3 m=54
